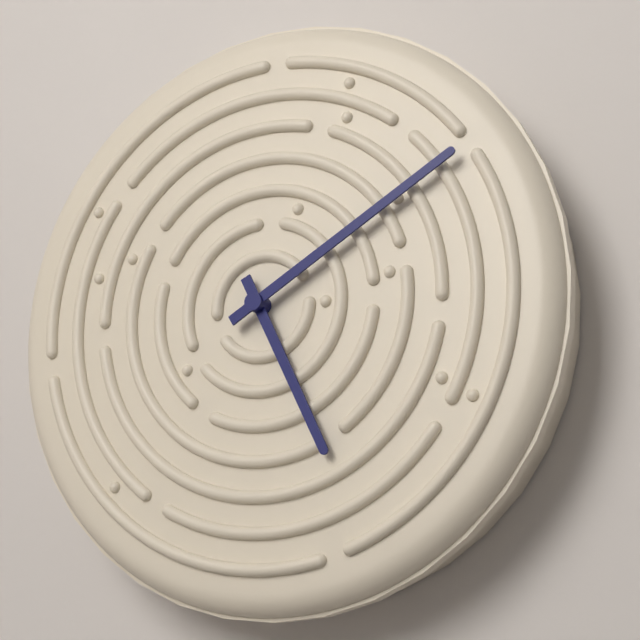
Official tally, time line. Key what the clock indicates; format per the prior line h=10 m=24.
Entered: h=5 m=10
